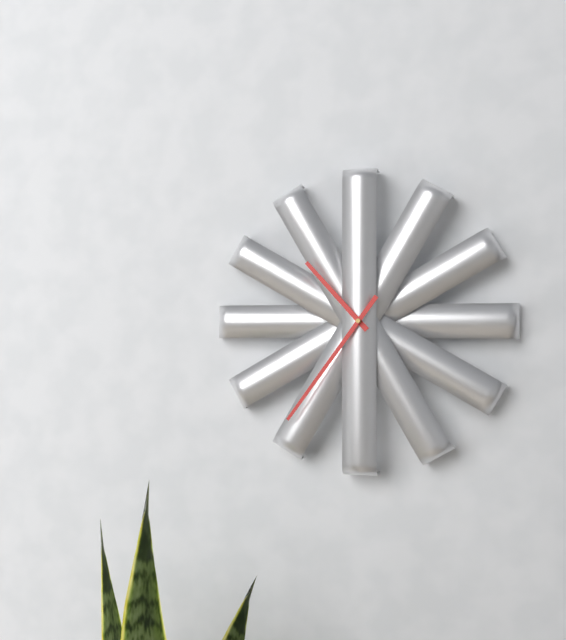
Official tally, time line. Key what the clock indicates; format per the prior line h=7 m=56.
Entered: h=10 m=36
